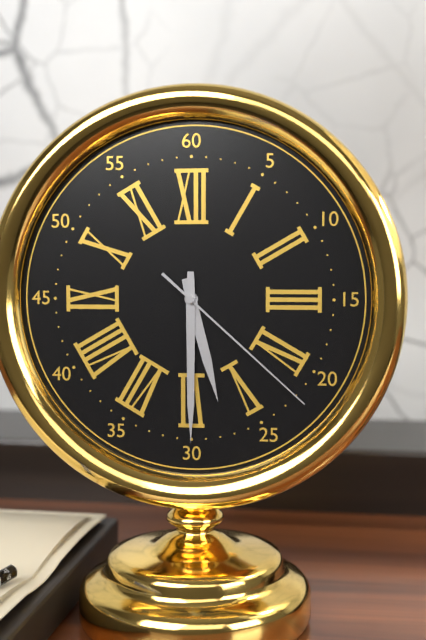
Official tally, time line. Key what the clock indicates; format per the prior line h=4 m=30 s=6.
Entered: h=5 m=30 s=22
